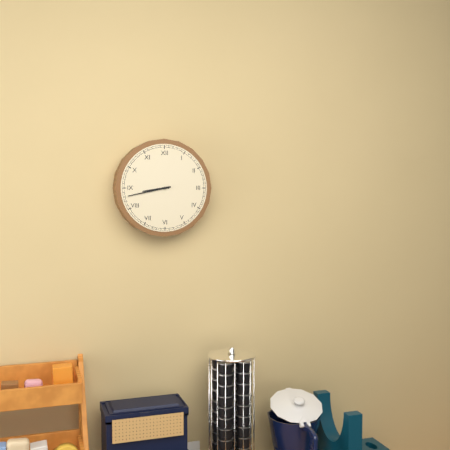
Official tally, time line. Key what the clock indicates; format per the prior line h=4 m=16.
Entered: h=8 m=43
